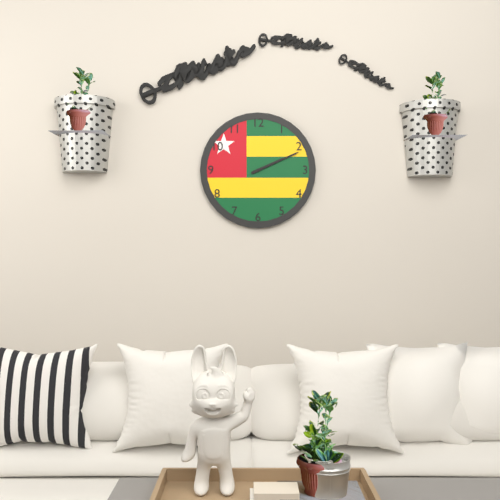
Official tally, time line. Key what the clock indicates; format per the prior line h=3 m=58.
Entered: h=2 m=11
